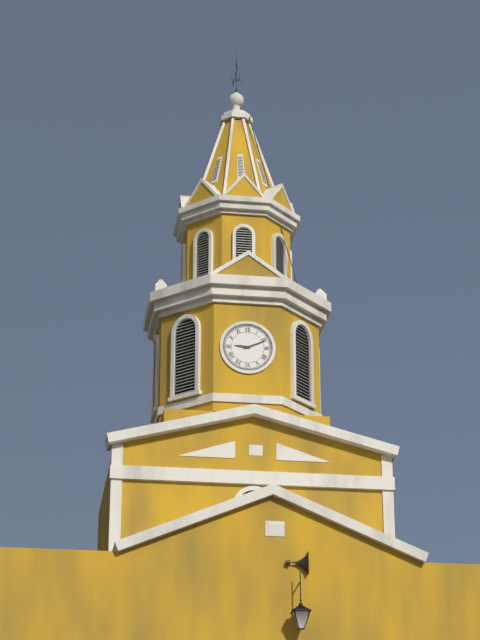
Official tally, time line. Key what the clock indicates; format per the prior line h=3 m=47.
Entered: h=9 m=11
